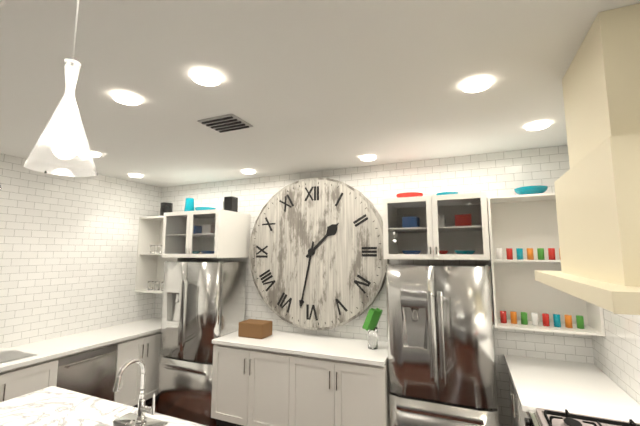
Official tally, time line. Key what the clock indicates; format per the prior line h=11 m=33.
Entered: h=1 m=32
